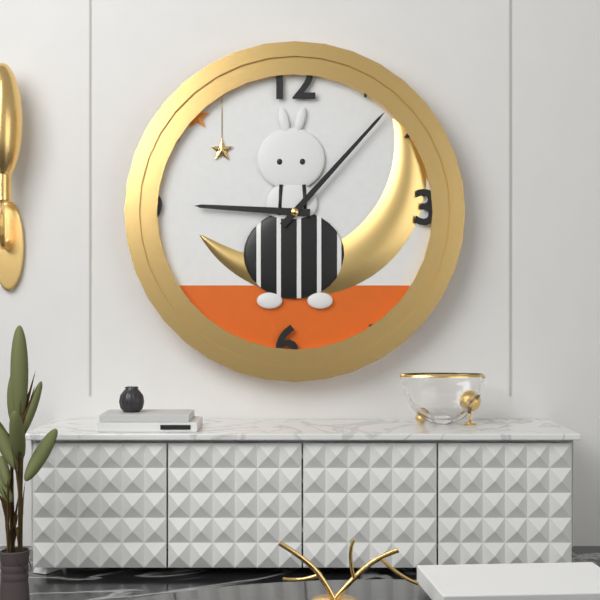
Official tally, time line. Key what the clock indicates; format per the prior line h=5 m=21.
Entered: h=9 m=7
